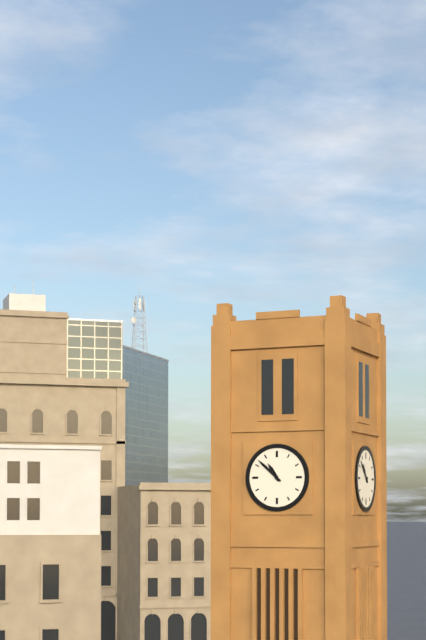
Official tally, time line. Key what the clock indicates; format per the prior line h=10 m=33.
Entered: h=10 m=52
